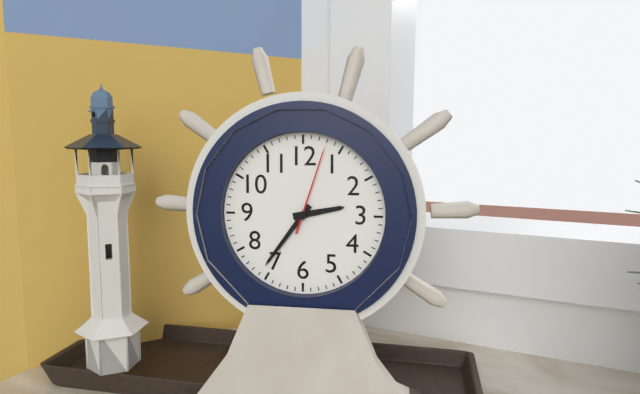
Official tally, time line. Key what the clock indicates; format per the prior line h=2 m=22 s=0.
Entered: h=2 m=36 s=3
